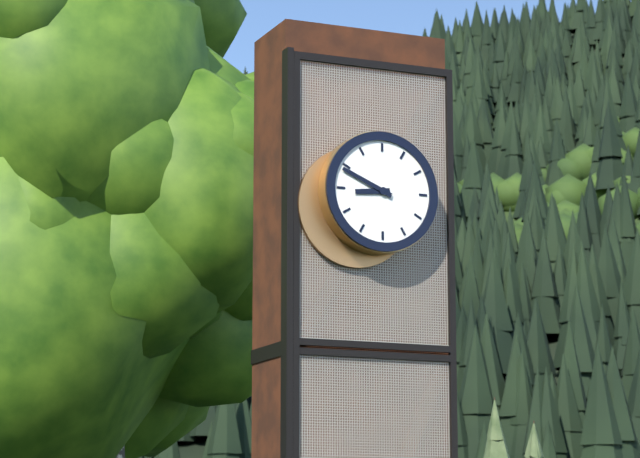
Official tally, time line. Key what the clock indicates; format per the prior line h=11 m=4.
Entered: h=8 m=49
